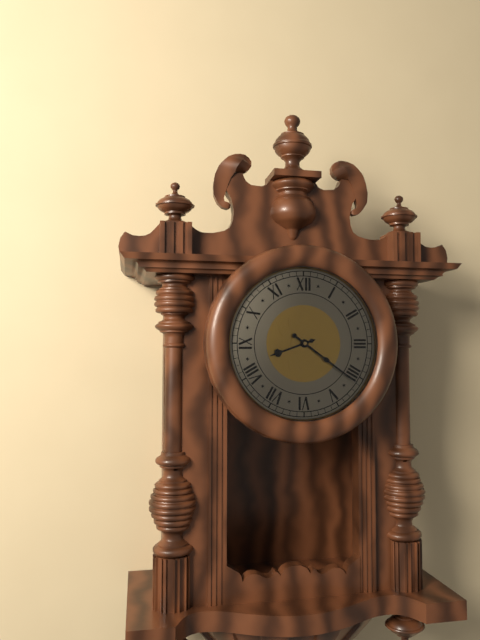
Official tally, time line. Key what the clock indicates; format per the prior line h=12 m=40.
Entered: h=8 m=21
